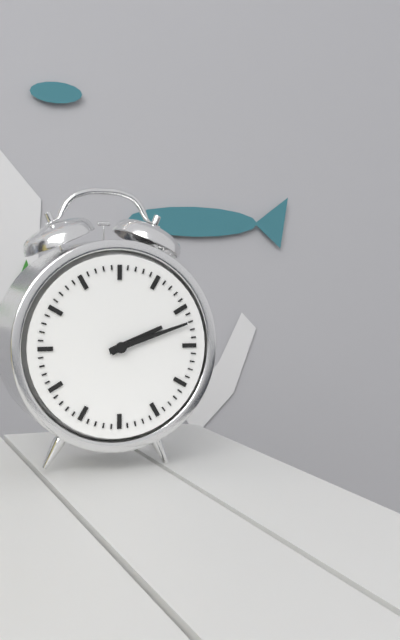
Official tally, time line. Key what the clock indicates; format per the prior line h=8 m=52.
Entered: h=2 m=12
